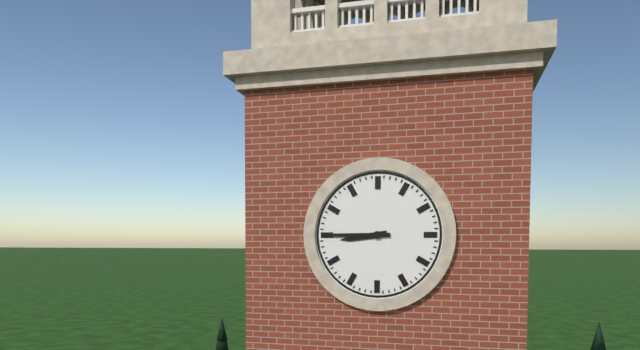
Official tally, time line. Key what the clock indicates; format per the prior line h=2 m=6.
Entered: h=8 m=45
